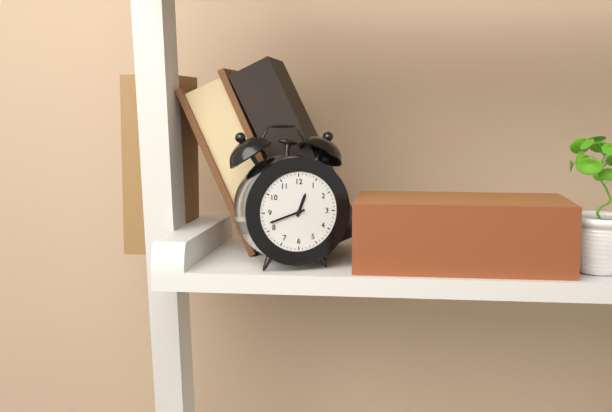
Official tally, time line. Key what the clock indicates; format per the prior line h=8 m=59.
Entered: h=12 m=42
